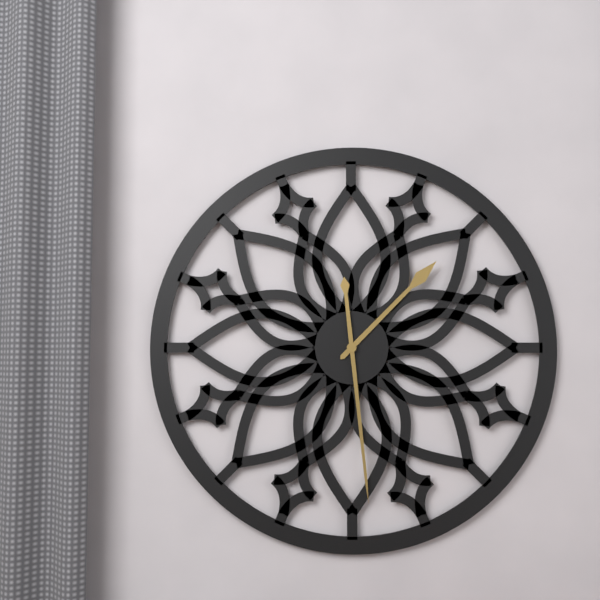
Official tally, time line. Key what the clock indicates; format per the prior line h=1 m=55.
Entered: h=1 m=29
